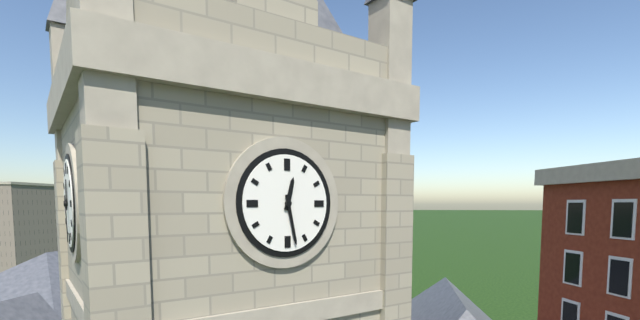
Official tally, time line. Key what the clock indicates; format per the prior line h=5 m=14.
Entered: h=12 m=28
